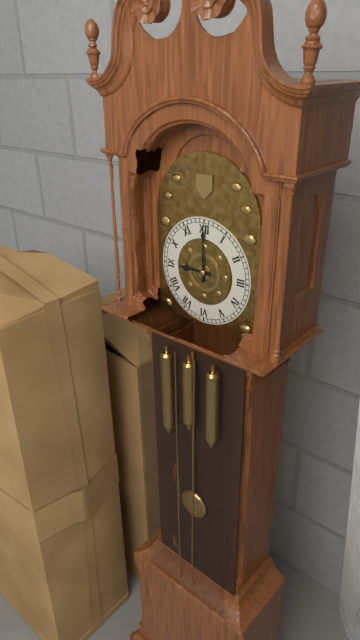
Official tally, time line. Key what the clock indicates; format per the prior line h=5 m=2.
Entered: h=9 m=0
